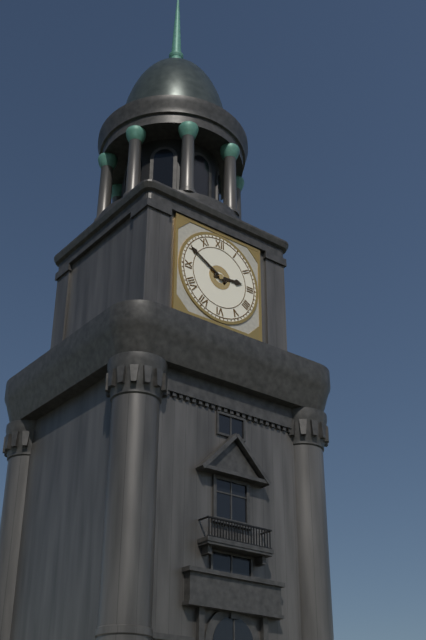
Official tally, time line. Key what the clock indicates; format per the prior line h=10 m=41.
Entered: h=2 m=50
